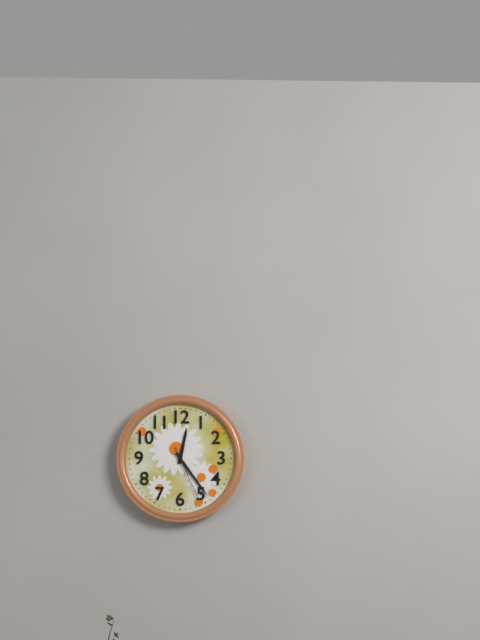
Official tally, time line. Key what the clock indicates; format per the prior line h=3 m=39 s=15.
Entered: h=12 m=24 s=26
